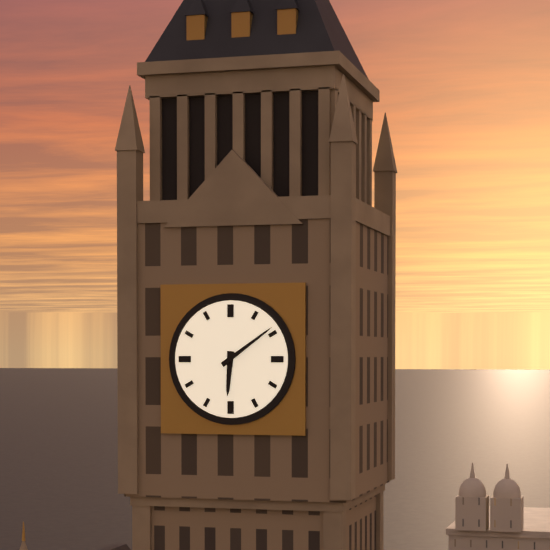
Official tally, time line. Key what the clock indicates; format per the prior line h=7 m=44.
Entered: h=6 m=9
